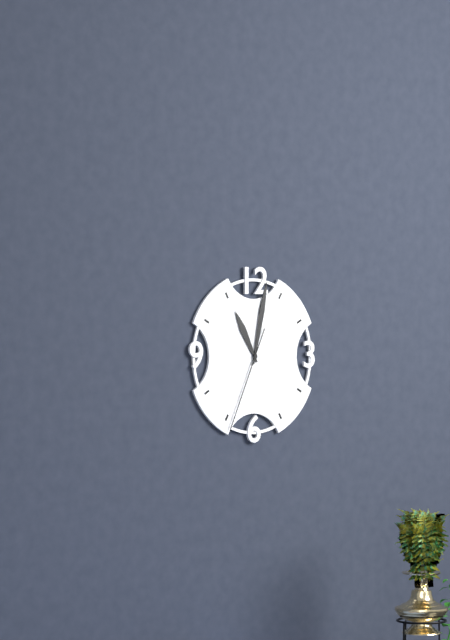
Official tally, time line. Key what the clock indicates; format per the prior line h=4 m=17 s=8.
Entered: h=11 m=2 s=34
